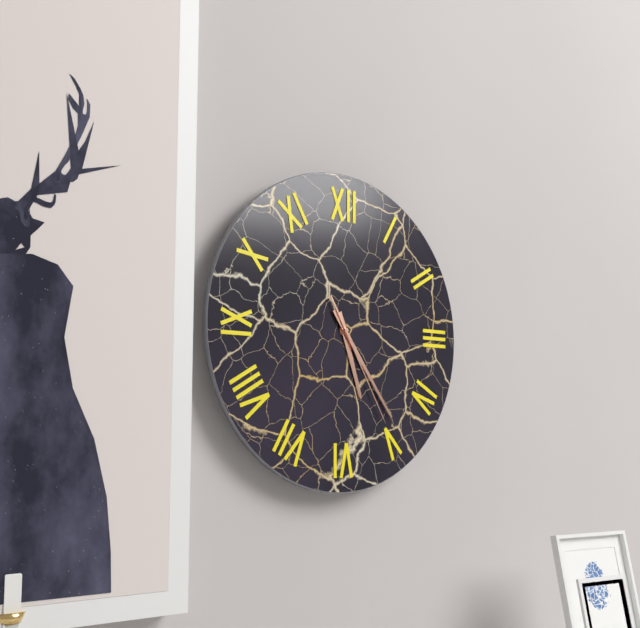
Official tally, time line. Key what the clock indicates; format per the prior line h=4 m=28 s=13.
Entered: h=5 m=24 s=25
